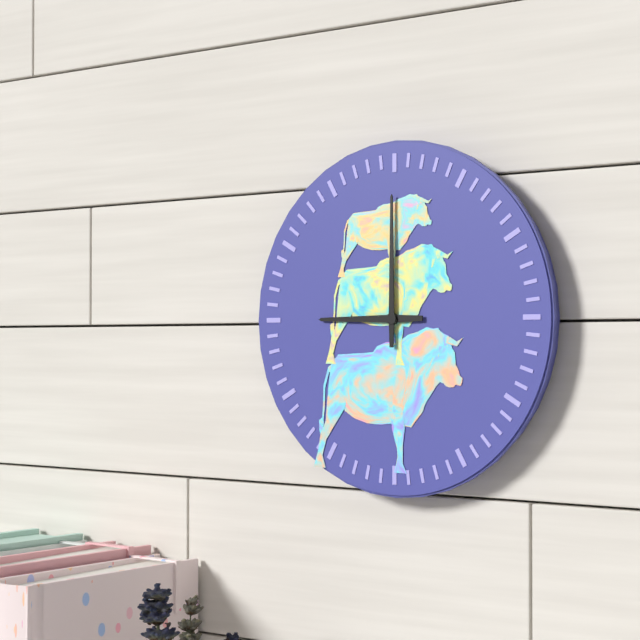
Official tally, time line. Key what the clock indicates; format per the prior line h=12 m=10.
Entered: h=9 m=0
